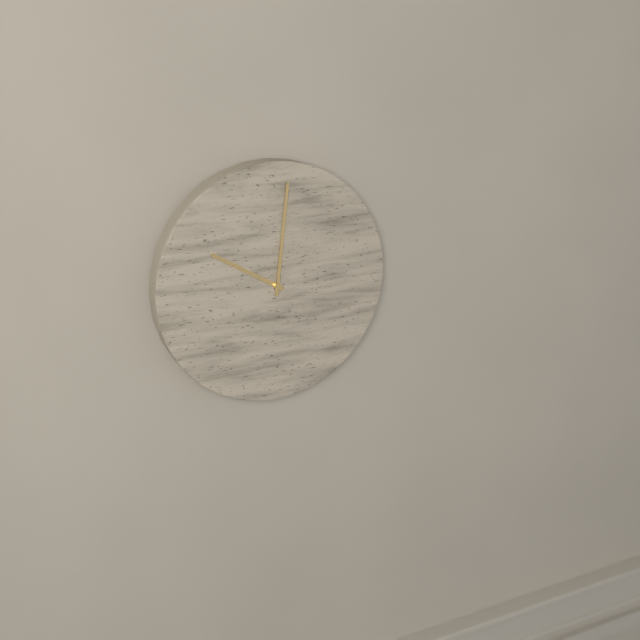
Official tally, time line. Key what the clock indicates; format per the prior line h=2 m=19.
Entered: h=10 m=1
